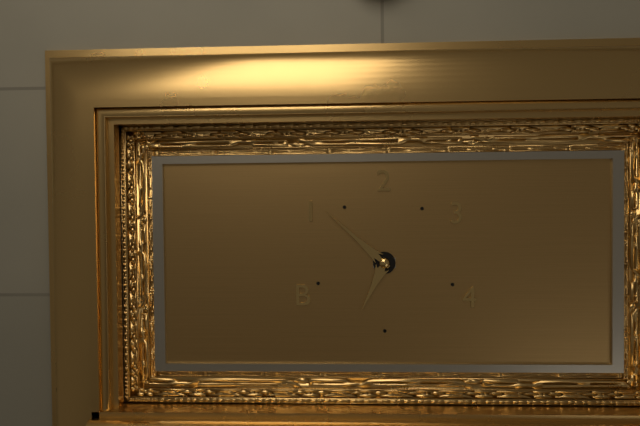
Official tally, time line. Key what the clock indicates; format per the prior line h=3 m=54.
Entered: h=6 m=52
